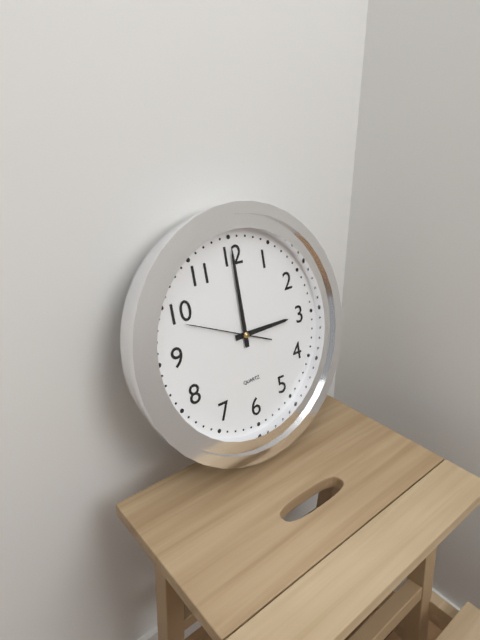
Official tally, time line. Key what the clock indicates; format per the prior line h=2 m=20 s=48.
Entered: h=3 m=0 s=49
